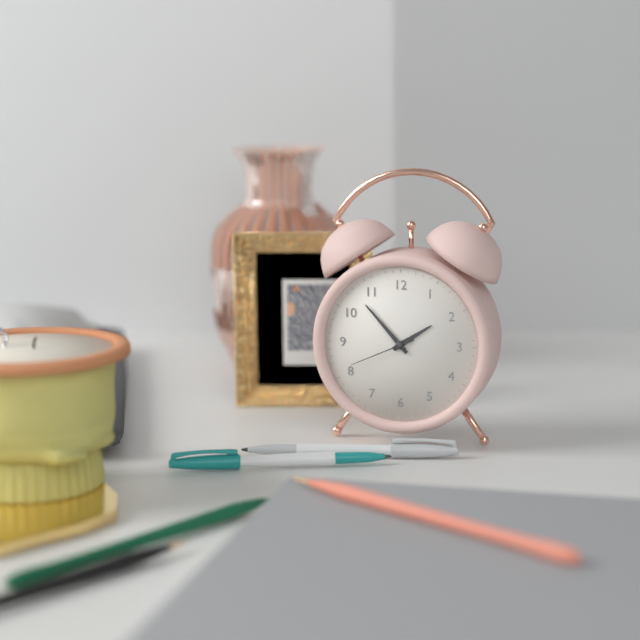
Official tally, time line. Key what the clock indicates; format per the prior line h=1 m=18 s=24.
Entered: h=1 m=53 s=41
